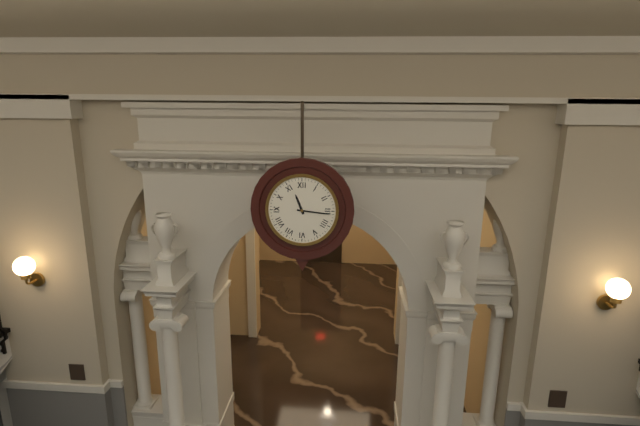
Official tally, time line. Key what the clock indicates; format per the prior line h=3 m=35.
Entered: h=11 m=16
